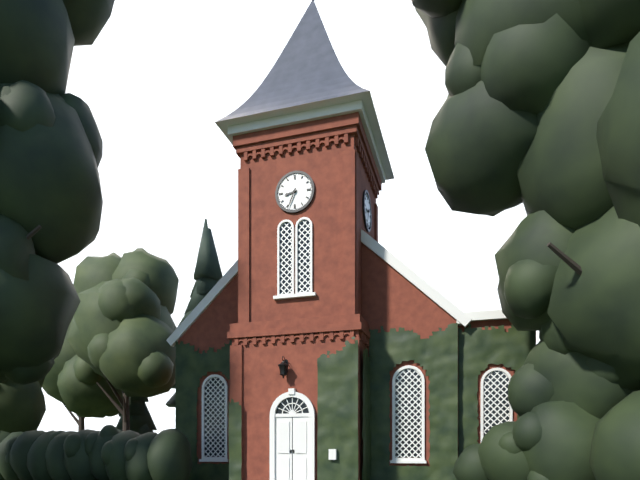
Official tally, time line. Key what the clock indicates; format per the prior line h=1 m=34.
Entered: h=8 m=34
